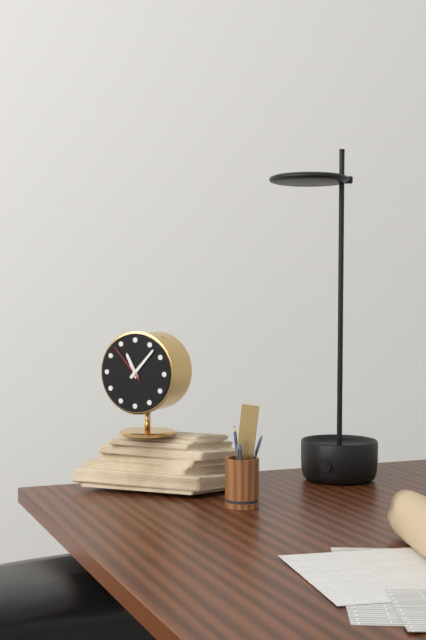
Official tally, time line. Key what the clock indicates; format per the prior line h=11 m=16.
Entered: h=11 m=7
